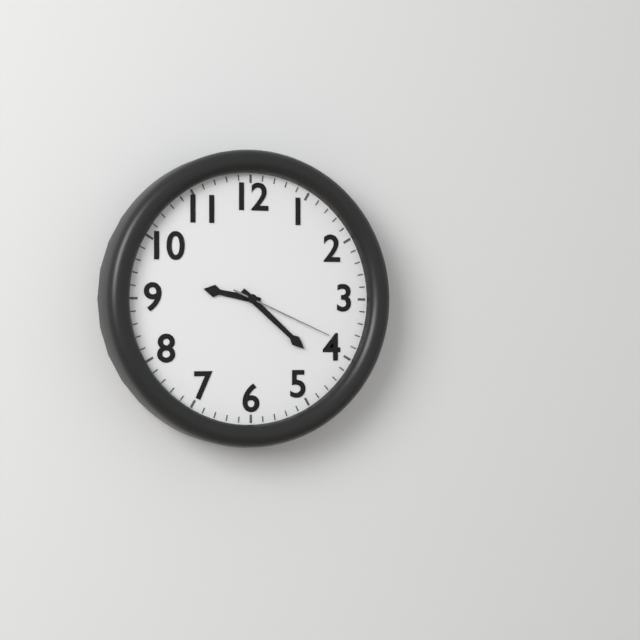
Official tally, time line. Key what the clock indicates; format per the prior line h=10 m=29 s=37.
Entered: h=9 m=22 s=19
